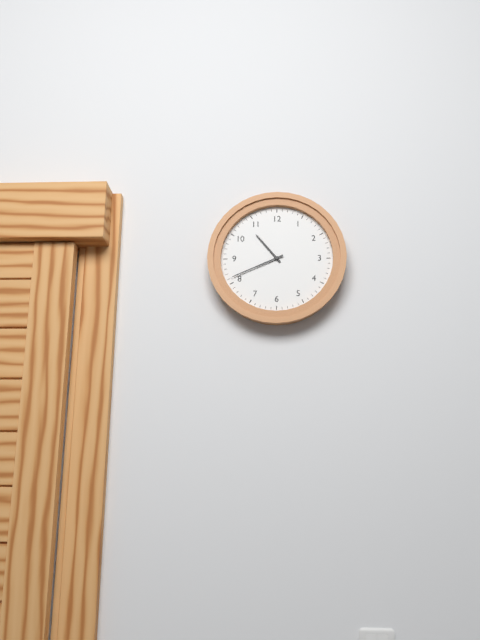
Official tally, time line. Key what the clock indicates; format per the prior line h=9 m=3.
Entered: h=10 m=41
